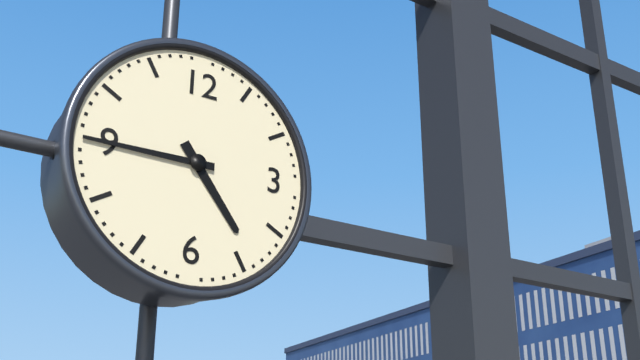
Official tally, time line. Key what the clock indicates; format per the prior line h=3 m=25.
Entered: h=4 m=45
